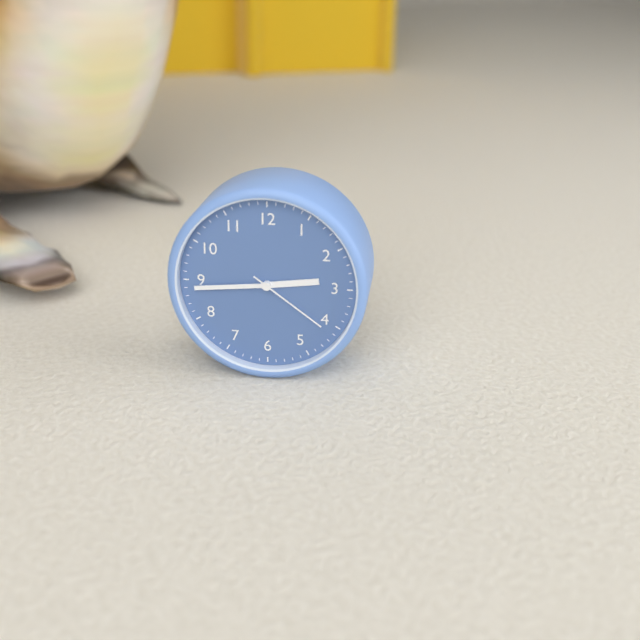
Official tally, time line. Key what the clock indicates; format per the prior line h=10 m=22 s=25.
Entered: h=2 m=44 s=21
